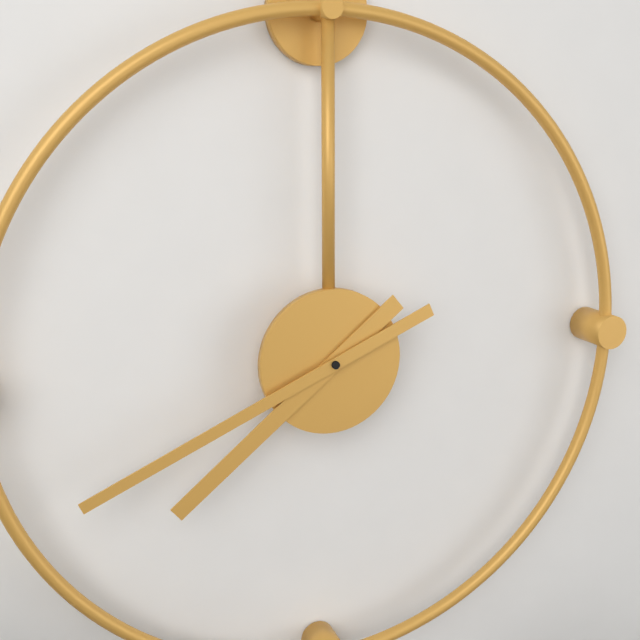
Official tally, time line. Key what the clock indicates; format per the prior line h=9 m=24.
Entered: h=7 m=41
